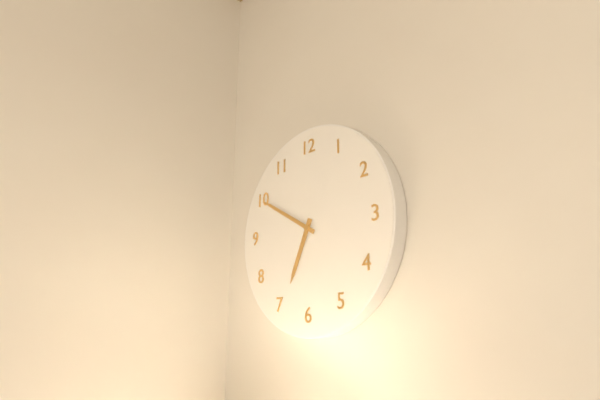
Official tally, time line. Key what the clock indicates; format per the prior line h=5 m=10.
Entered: h=6 m=50
